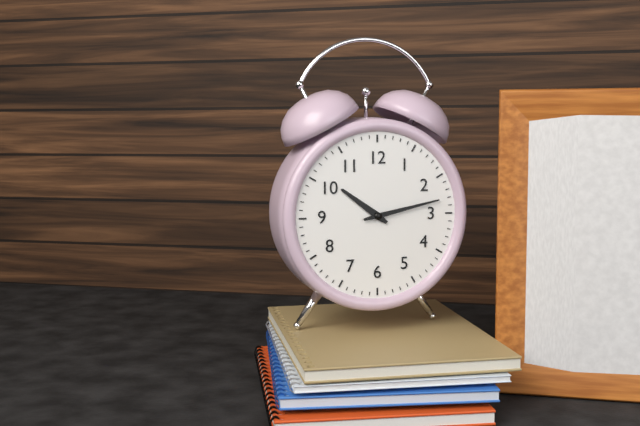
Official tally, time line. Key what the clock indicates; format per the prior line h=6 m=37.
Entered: h=10 m=13
